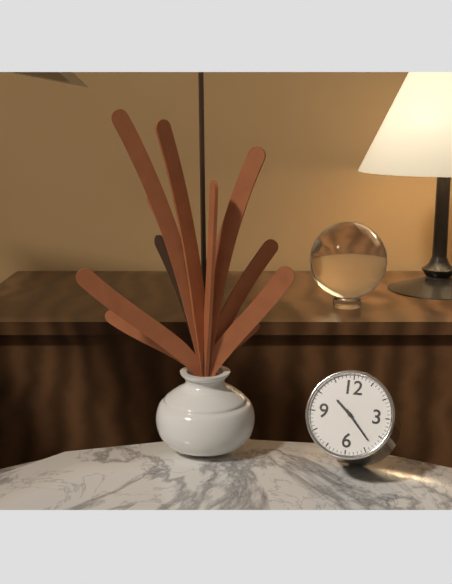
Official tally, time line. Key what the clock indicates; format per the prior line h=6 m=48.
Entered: h=10 m=23
